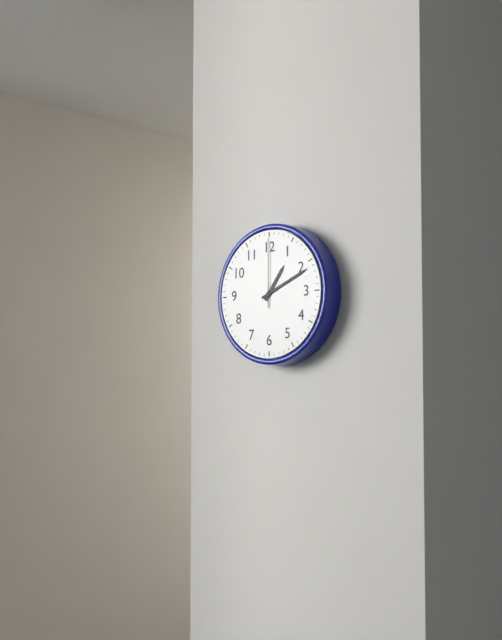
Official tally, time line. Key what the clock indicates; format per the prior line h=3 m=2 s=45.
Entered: h=1 m=11 s=0
